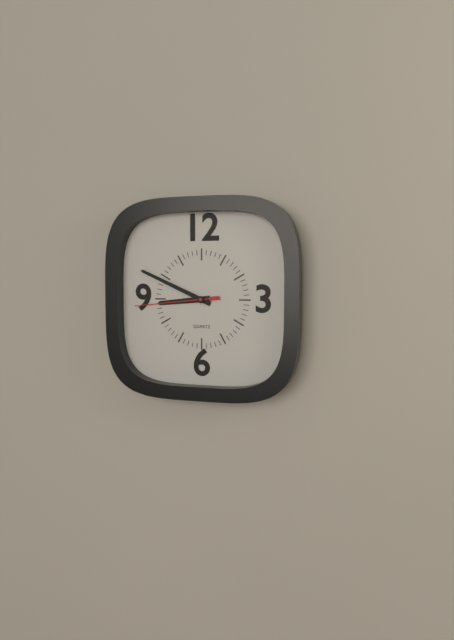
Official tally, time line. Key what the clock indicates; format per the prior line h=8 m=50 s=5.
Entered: h=8 m=49 s=44
